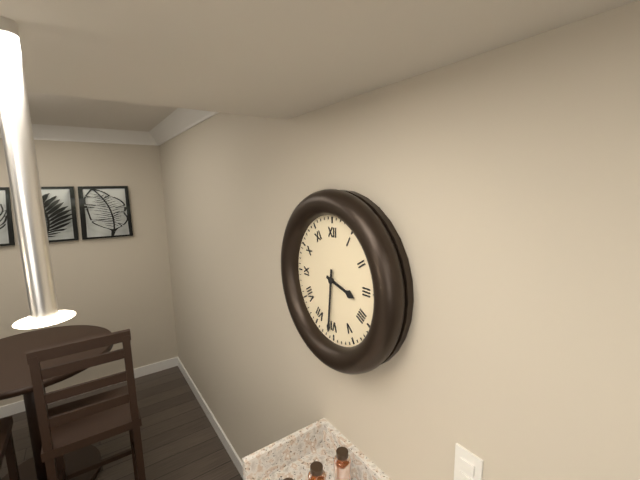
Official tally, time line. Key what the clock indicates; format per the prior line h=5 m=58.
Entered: h=3 m=31
